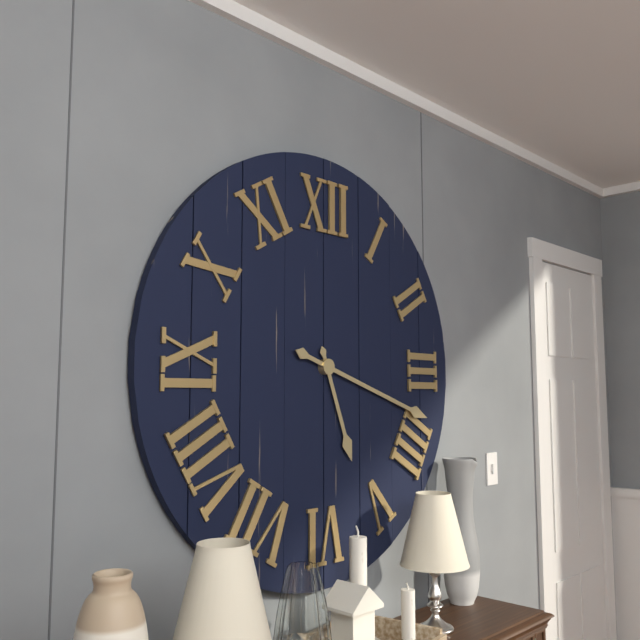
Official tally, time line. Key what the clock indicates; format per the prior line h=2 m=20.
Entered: h=5 m=18
